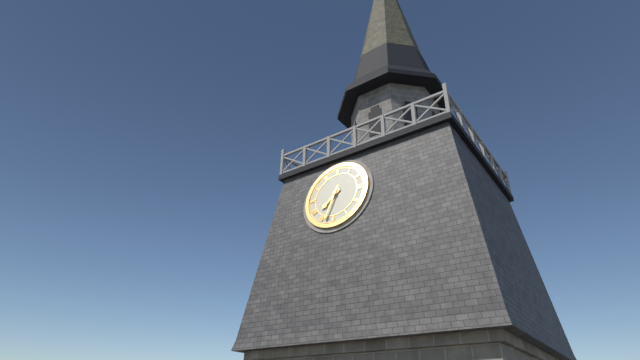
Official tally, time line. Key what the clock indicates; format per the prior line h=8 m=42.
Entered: h=7 m=33
